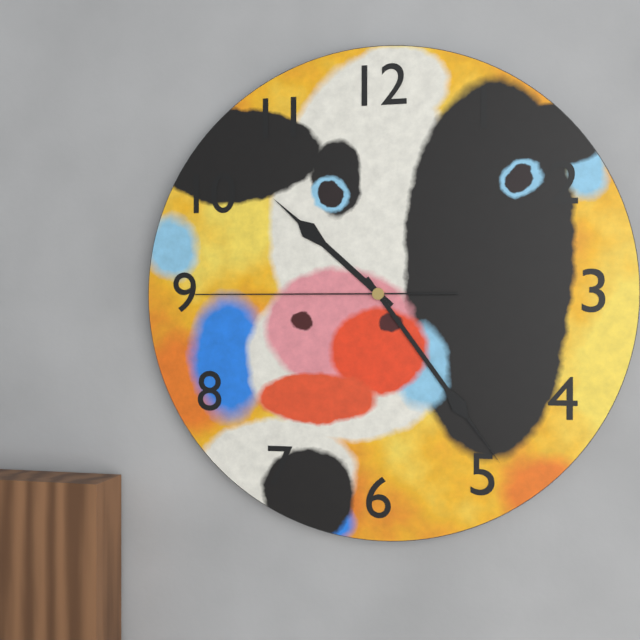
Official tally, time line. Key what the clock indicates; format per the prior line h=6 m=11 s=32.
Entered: h=10 m=24 s=45
